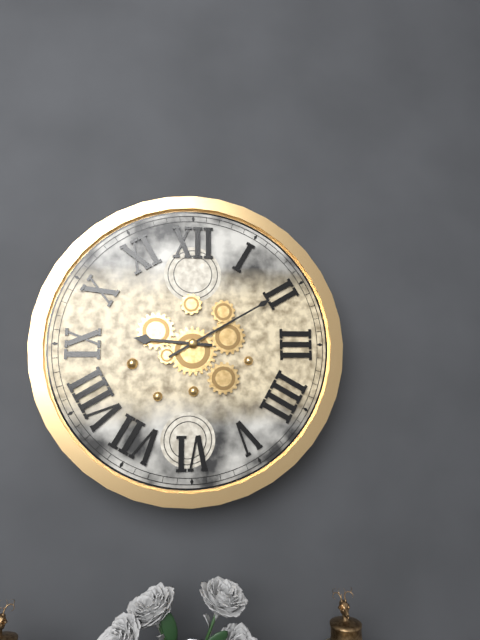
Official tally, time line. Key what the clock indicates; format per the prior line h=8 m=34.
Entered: h=9 m=10
